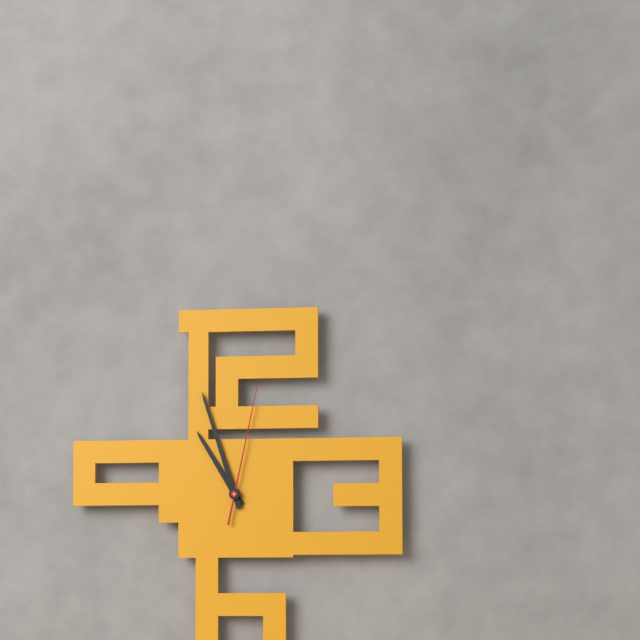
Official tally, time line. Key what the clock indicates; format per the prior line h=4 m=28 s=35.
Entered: h=10 m=57 s=2
